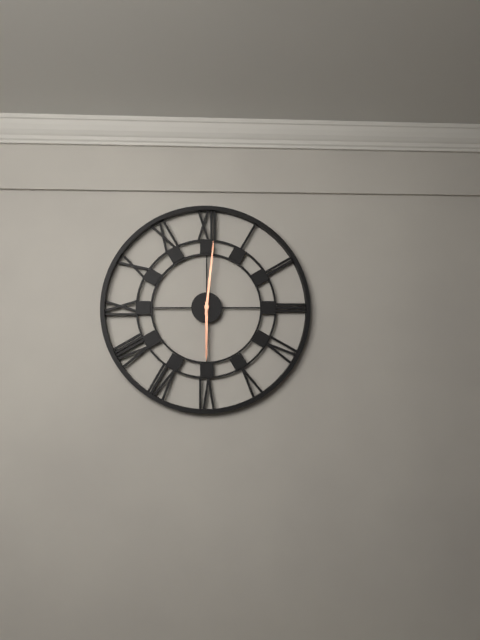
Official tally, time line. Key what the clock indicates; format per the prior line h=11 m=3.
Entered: h=6 m=1
